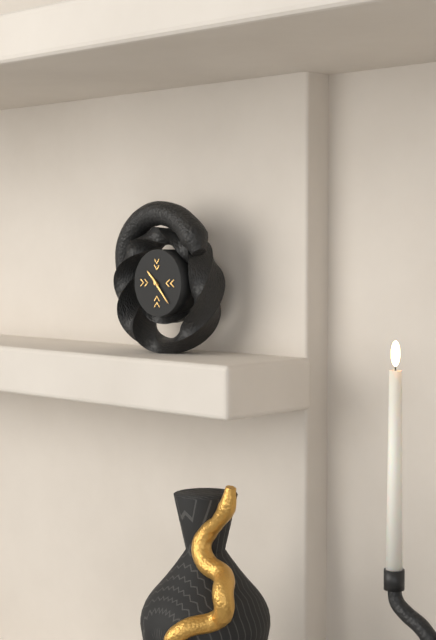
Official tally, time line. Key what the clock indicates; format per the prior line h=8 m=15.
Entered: h=10 m=23
